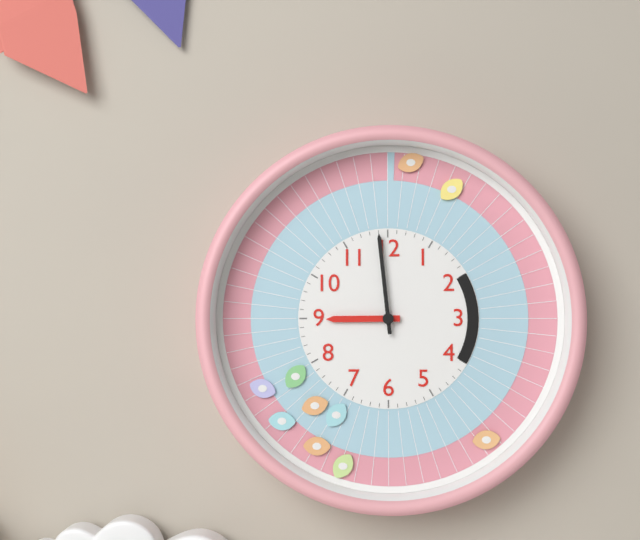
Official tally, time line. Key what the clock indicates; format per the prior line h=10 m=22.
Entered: h=8 m=59
